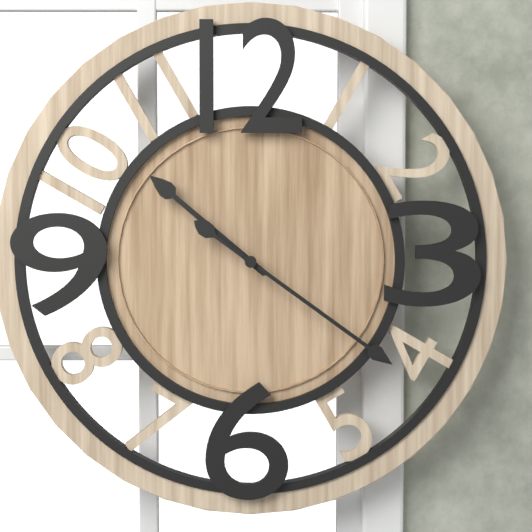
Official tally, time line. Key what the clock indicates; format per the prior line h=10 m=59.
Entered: h=10 m=21
